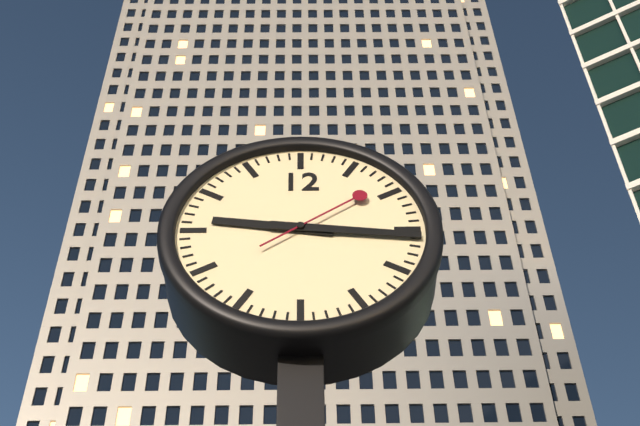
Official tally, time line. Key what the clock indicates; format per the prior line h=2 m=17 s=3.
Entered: h=9 m=16 s=9
